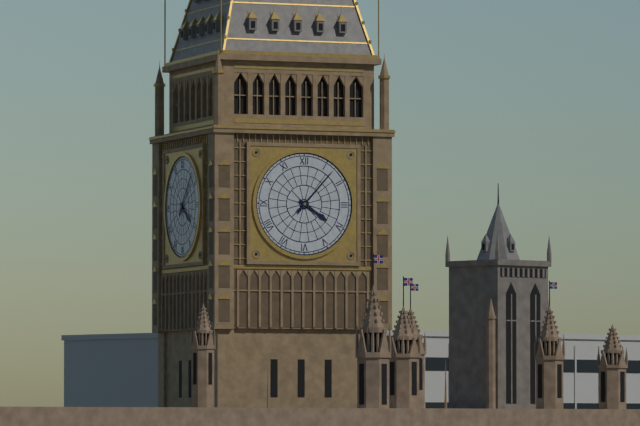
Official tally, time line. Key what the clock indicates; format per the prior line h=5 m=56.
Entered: h=4 m=7
